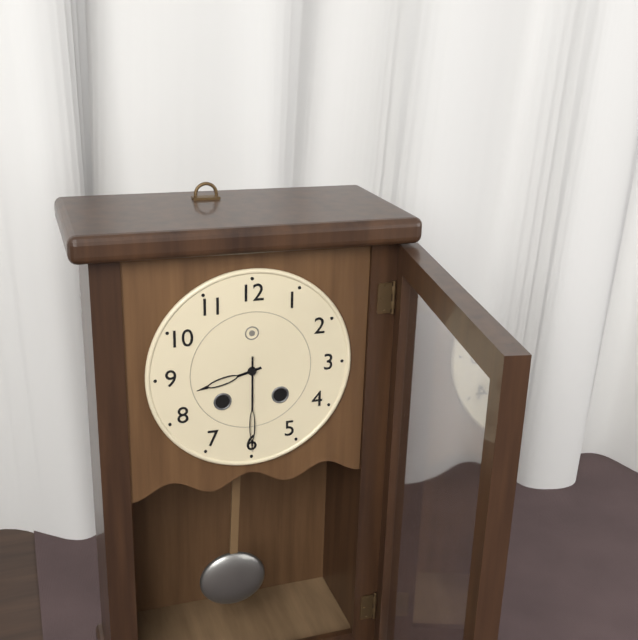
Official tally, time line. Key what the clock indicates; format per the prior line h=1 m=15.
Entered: h=8 m=30
